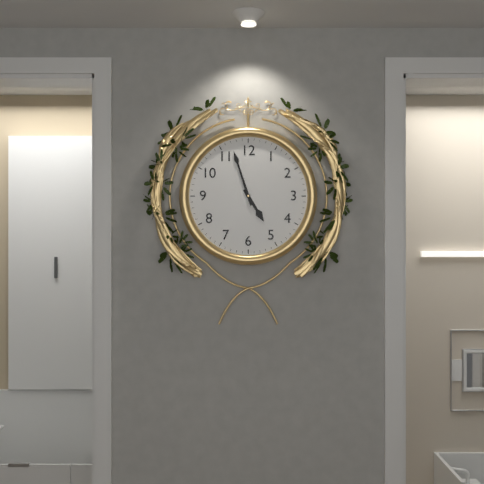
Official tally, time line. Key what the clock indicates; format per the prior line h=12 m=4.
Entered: h=4 m=57
